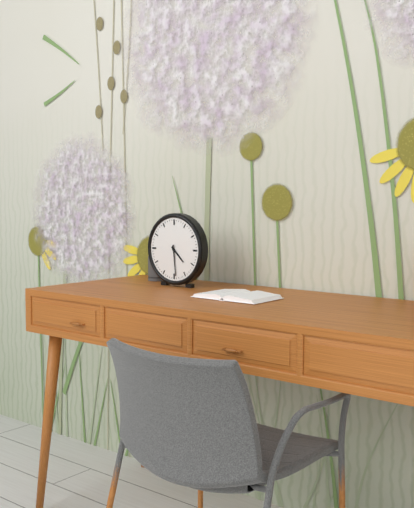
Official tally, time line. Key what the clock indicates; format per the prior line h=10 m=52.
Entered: h=4 m=29
